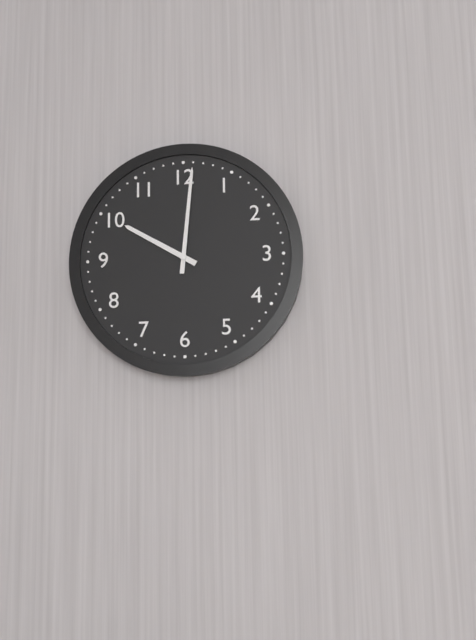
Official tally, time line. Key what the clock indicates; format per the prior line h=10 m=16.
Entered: h=10 m=1
